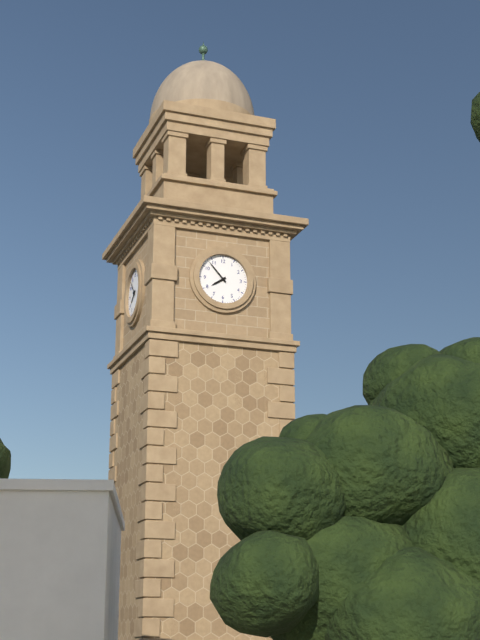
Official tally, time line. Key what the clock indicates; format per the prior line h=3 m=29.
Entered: h=7 m=53
